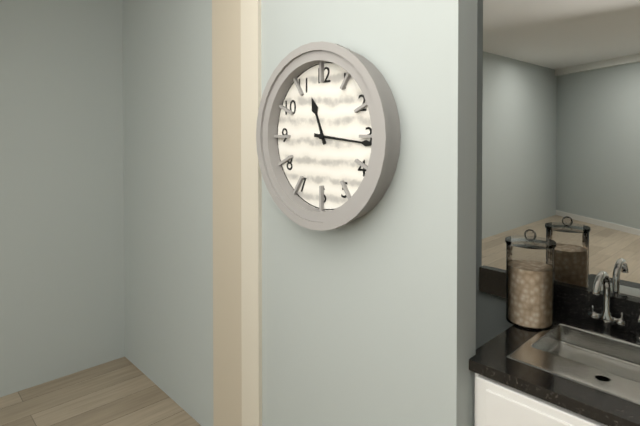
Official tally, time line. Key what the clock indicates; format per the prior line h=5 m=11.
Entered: h=11 m=16
